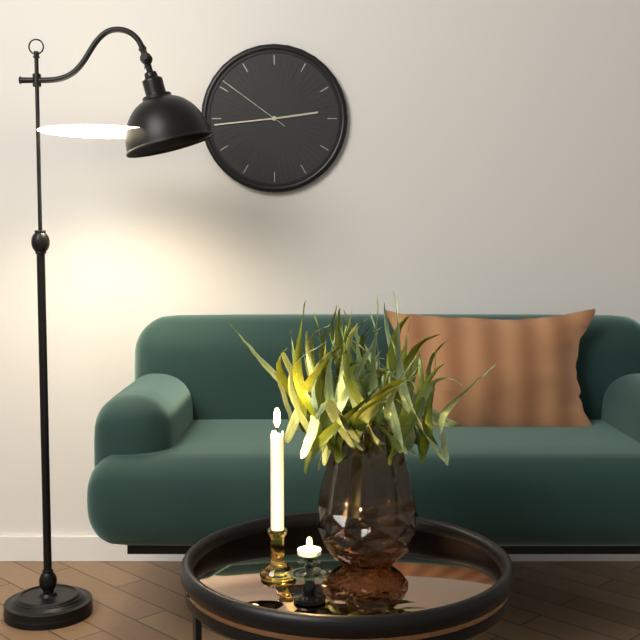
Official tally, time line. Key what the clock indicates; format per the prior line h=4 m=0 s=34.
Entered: h=2 m=44 s=51
